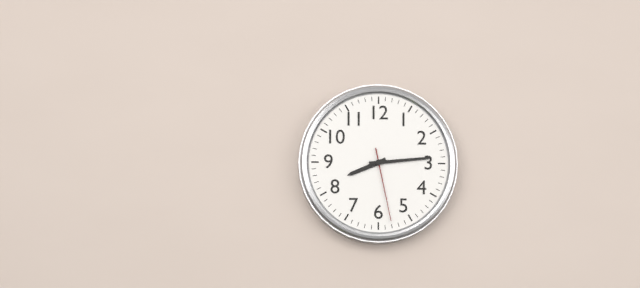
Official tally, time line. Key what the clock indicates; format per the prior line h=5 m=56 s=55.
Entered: h=8 m=14 s=28
